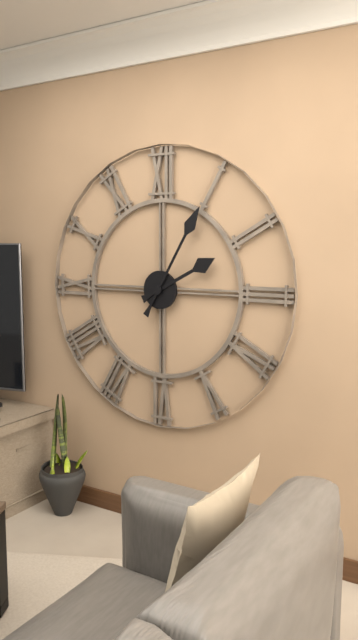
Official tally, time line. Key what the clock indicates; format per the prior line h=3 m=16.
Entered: h=2 m=5
